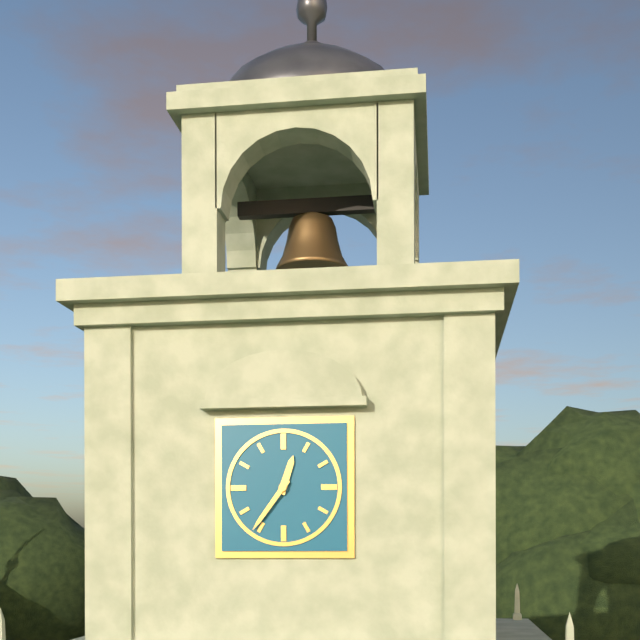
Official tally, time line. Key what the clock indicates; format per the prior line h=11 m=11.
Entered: h=12 m=36
